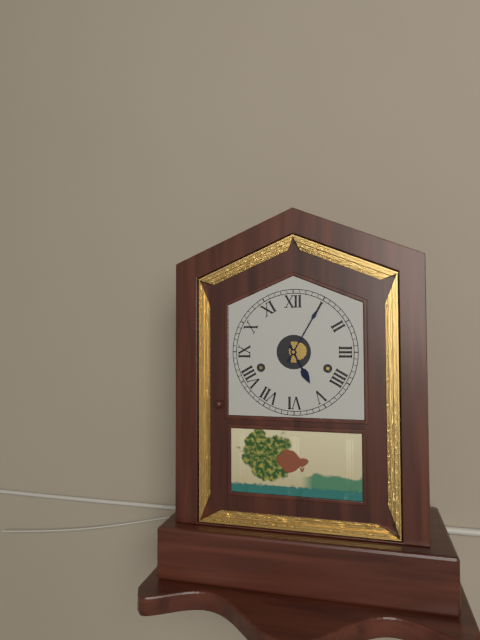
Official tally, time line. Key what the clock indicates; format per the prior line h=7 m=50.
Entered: h=5 m=5
